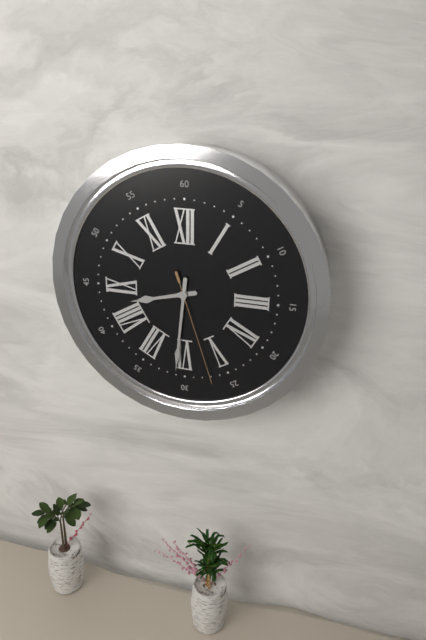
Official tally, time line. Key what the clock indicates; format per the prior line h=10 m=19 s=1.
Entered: h=8 m=31 s=27
